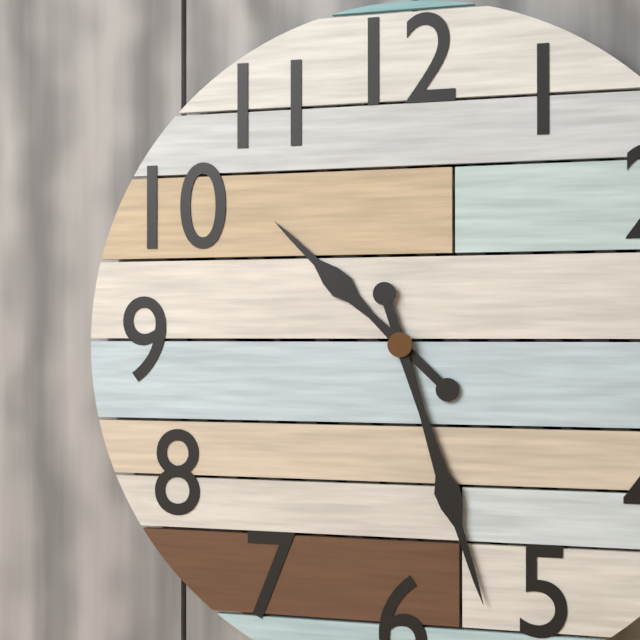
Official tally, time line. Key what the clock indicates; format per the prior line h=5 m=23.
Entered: h=10 m=27
